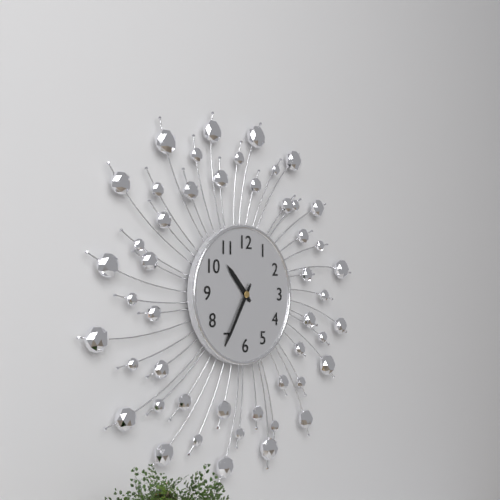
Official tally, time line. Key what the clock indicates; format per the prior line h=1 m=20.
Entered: h=10 m=35
